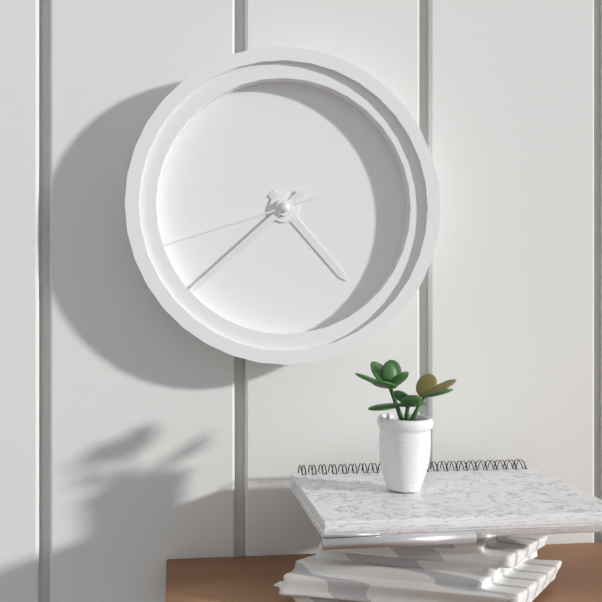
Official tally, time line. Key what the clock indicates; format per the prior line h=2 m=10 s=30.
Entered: h=4 m=38 s=42
